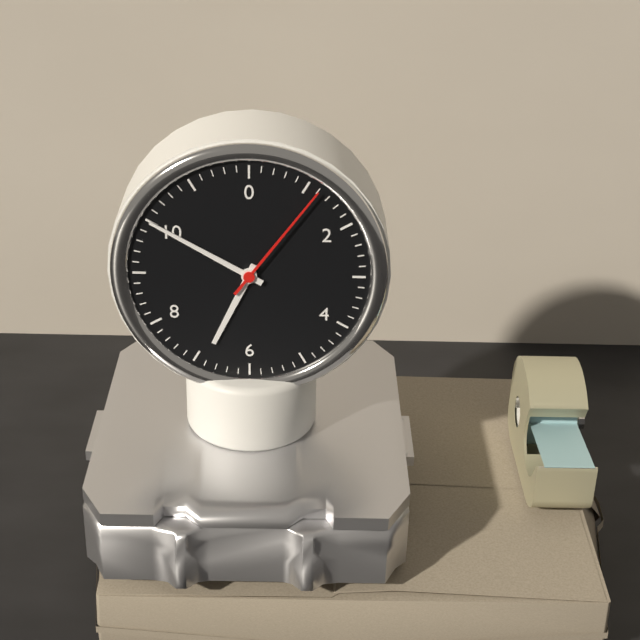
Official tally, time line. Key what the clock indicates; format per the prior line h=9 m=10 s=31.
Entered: h=6 m=50 s=6
